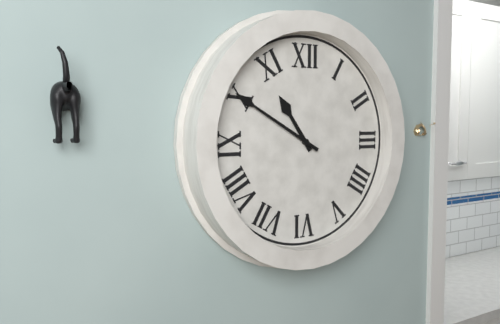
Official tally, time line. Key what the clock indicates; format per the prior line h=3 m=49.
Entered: h=10 m=50
